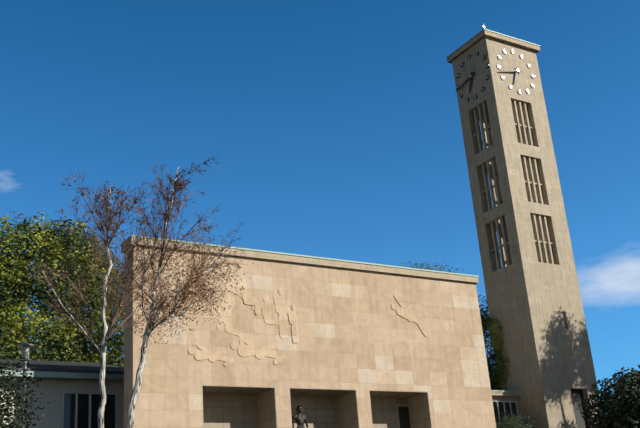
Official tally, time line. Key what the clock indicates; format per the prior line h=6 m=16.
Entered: h=6 m=43
